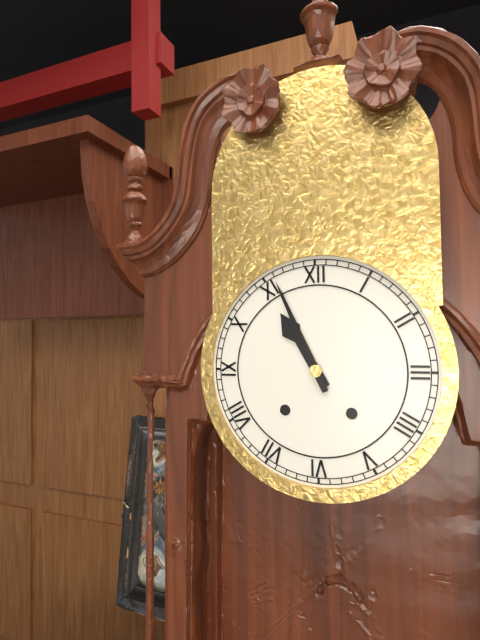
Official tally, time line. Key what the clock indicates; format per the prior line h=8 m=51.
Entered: h=10 m=56
